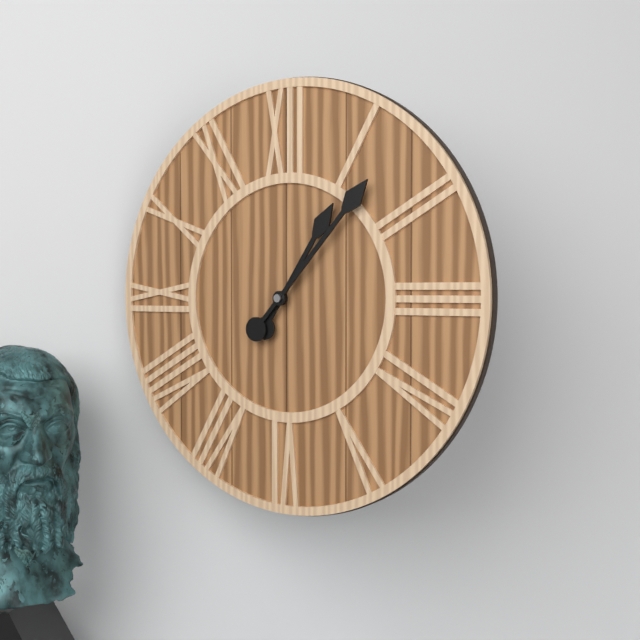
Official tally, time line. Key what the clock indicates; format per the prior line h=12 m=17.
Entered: h=1 m=7
